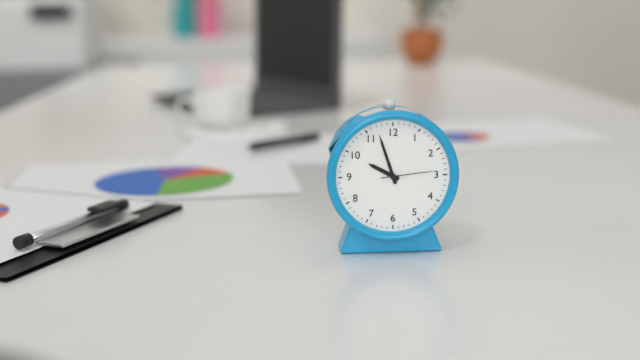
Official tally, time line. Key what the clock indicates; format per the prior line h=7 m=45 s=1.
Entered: h=9 m=57 s=14
